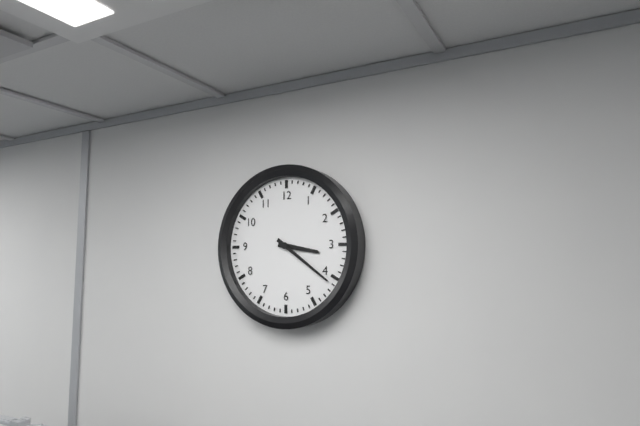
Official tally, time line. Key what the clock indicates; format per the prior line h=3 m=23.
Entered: h=3 m=21
